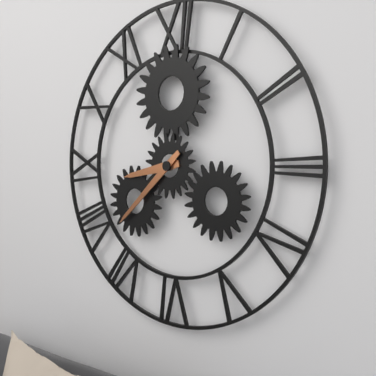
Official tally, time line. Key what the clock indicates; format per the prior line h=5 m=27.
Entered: h=8 m=38
